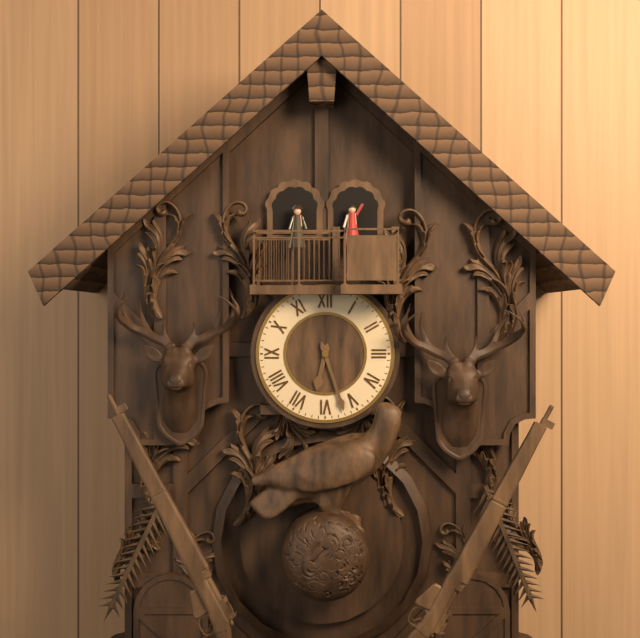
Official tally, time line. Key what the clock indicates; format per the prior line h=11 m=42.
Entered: h=6 m=27
